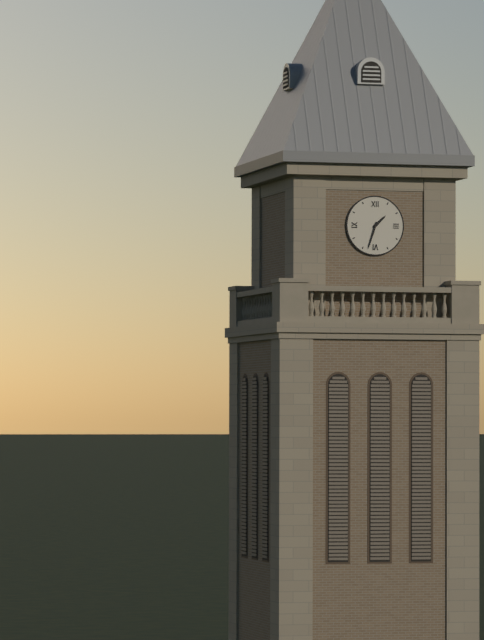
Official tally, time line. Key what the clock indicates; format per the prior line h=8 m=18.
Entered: h=1 m=33
